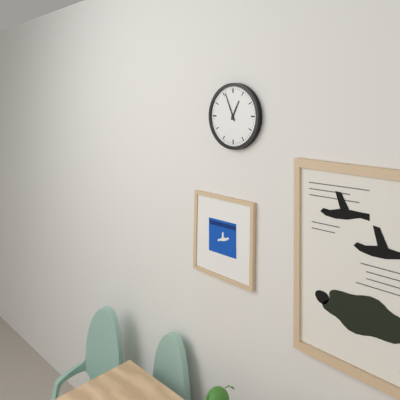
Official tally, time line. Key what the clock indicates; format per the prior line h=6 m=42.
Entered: h=12 m=56
